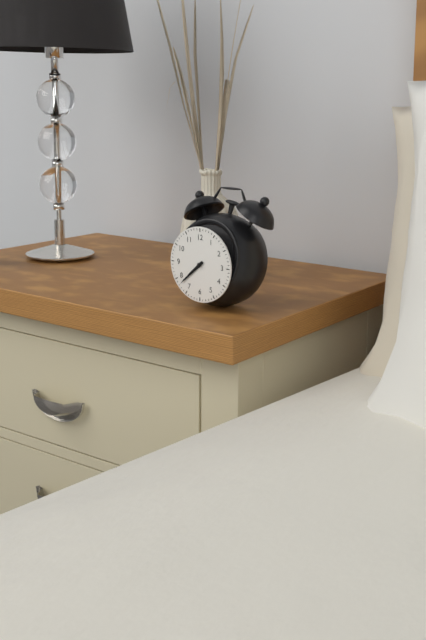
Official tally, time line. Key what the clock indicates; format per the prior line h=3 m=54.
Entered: h=7 m=38
